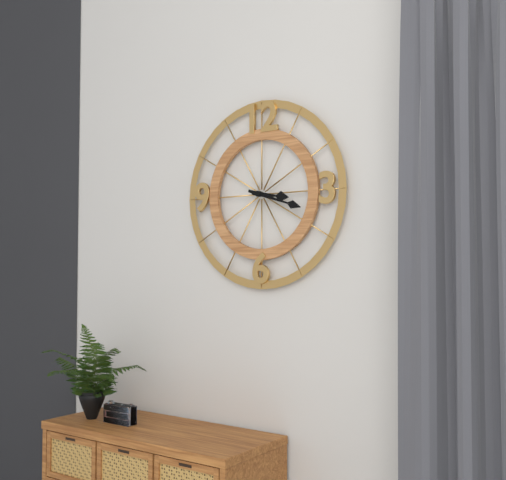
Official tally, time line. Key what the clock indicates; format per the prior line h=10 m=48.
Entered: h=3 m=18
